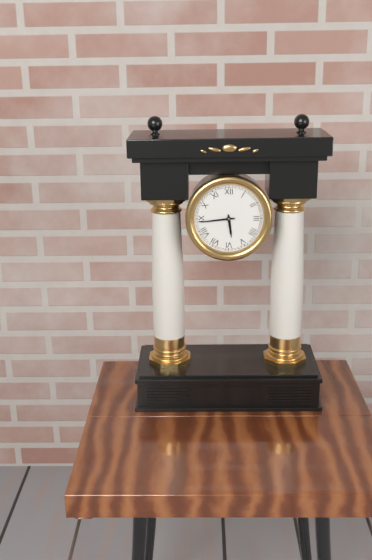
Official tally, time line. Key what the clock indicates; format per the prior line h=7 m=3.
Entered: h=5 m=44
